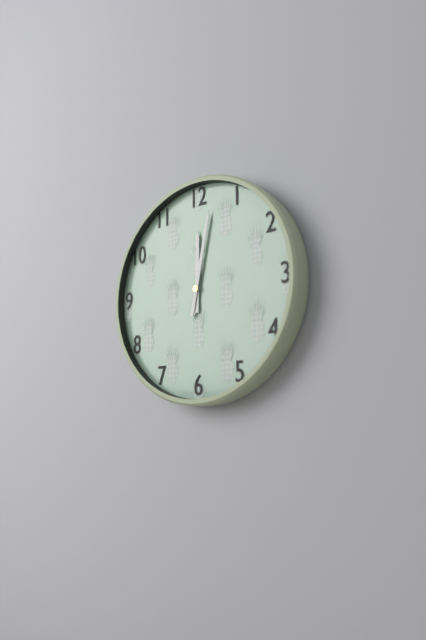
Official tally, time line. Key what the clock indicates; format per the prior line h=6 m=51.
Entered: h=12 m=2
